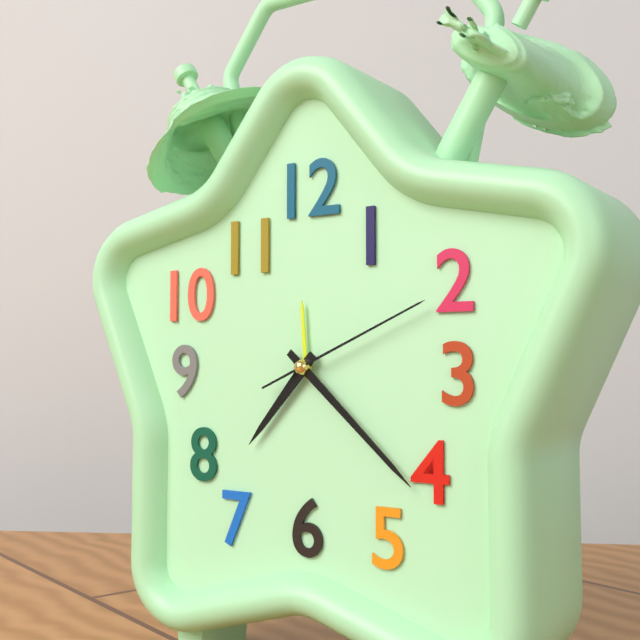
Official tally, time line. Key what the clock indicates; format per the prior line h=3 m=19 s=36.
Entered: h=7 m=22 s=11
